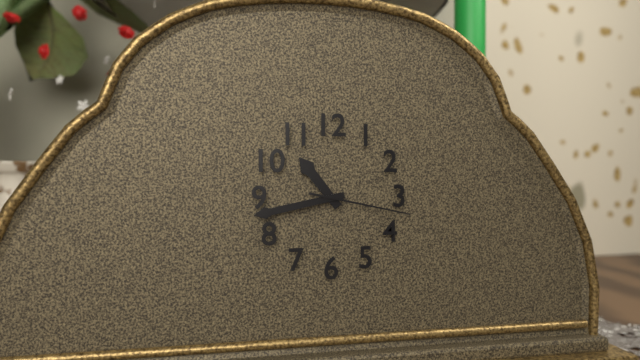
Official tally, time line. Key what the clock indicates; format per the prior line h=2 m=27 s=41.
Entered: h=10 m=43 s=17
